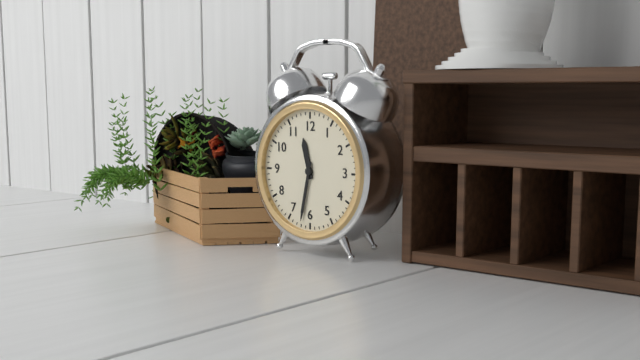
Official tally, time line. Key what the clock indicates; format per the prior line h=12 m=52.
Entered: h=11 m=32
